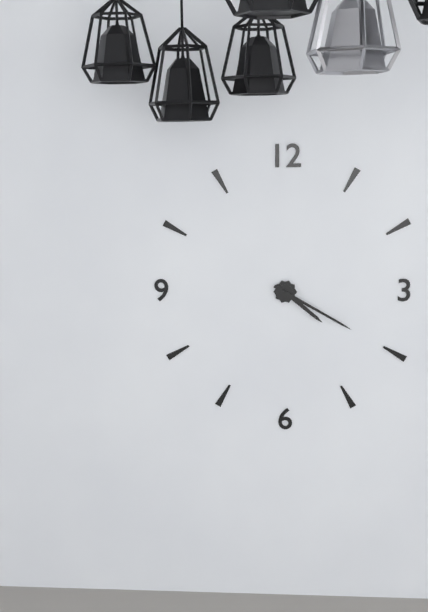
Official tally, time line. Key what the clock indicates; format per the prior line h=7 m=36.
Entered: h=4 m=20
